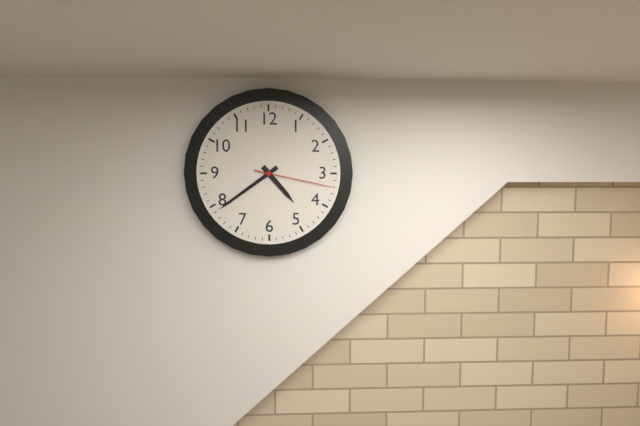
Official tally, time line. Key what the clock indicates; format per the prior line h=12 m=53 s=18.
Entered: h=4 m=39 s=17
